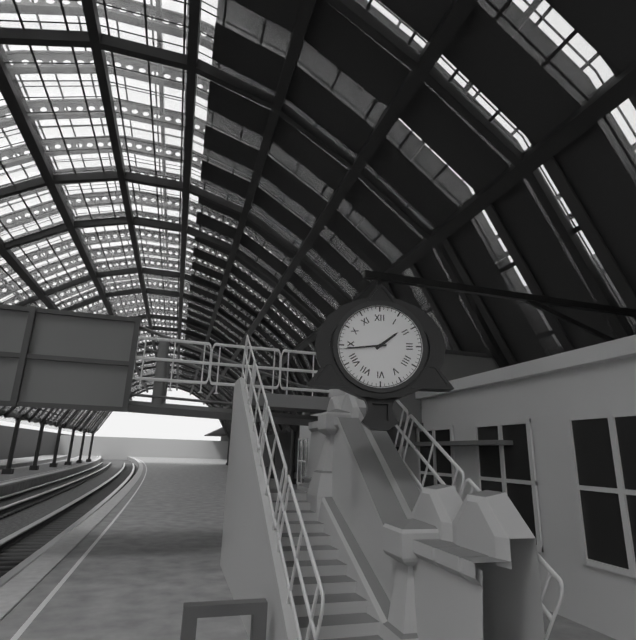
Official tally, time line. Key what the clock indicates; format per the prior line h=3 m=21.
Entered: h=1 m=44
